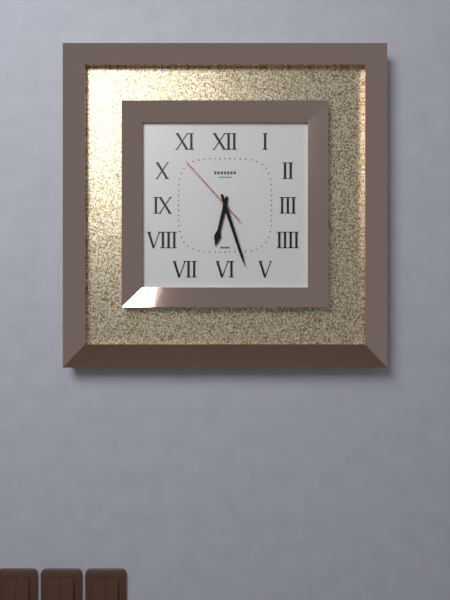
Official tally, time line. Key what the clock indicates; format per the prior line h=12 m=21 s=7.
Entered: h=6 m=27 s=53
